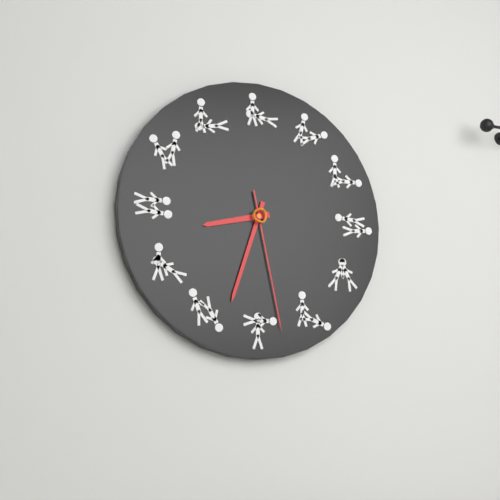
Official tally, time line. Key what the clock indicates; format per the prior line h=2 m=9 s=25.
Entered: h=8 m=33 s=28
